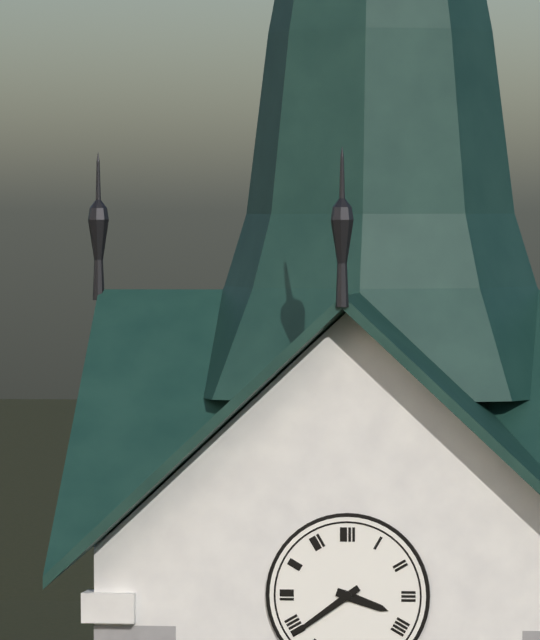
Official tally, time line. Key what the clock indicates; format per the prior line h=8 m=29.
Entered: h=3 m=39
